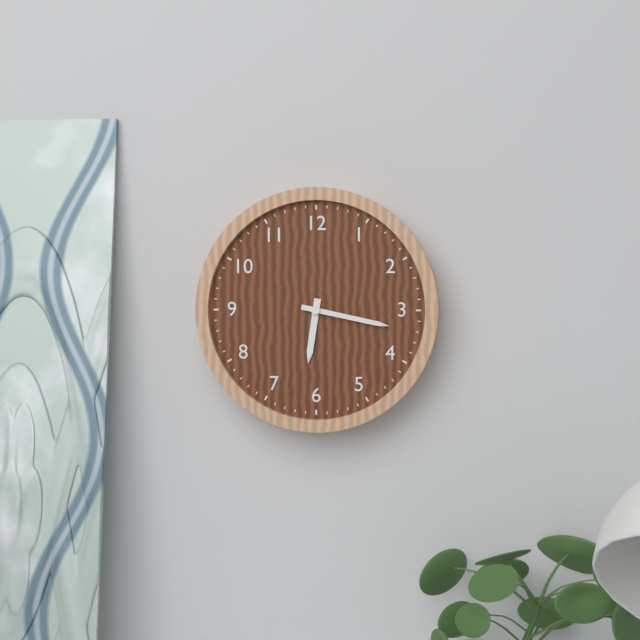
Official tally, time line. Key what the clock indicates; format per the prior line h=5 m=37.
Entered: h=6 m=17
